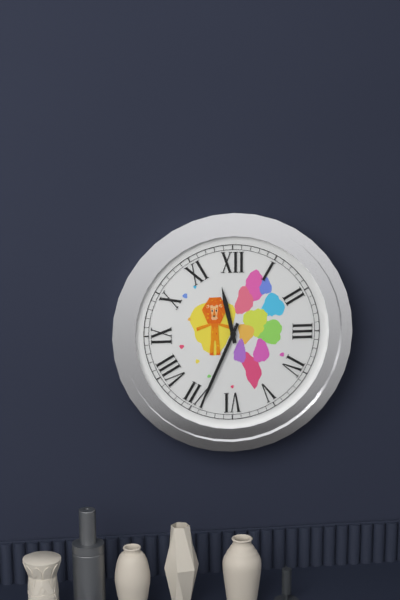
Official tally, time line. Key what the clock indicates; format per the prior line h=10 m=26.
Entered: h=11 m=34
